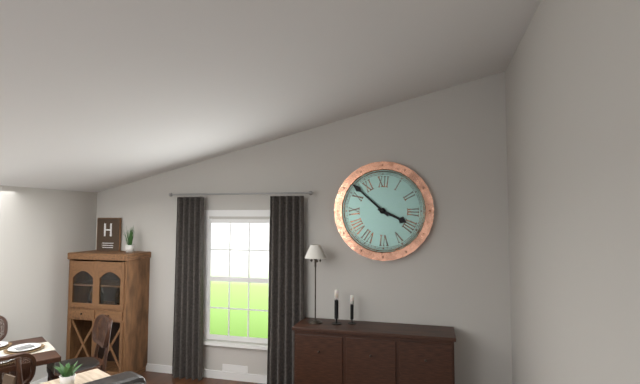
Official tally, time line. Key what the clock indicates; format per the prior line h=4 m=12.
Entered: h=3 m=52
